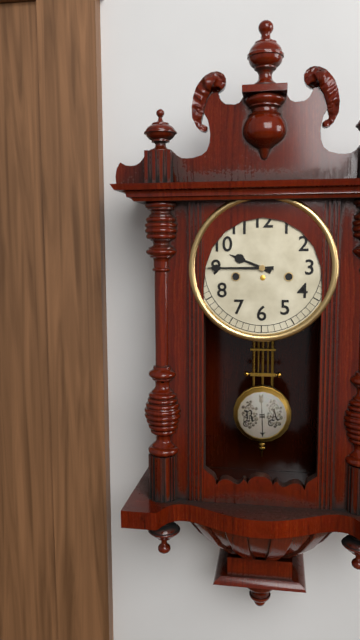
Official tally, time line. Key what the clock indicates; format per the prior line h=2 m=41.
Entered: h=9 m=45
